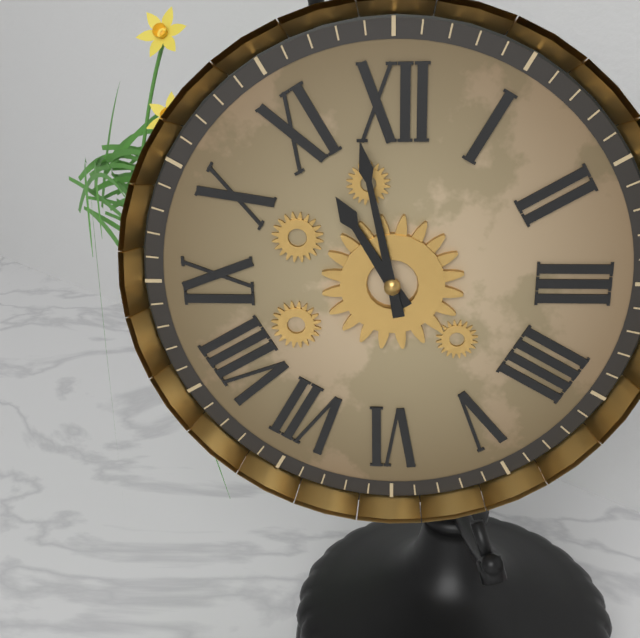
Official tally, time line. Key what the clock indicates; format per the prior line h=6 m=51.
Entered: h=10 m=58
